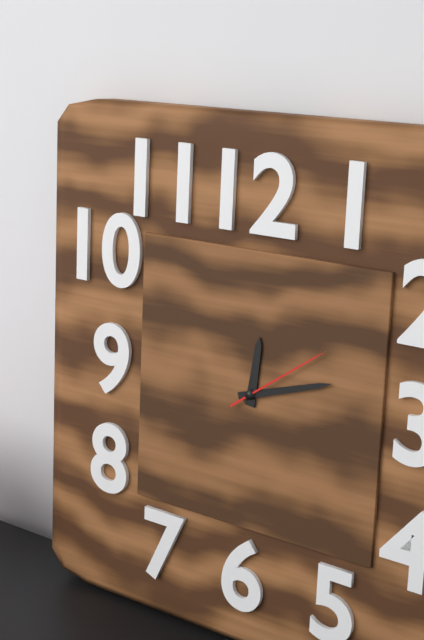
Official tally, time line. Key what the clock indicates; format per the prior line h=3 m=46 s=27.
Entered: h=12 m=12 s=9
